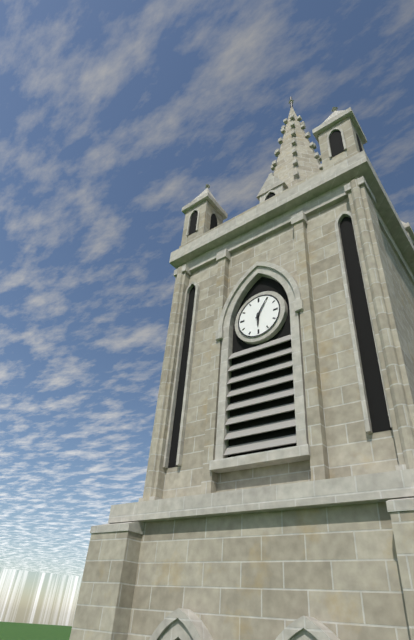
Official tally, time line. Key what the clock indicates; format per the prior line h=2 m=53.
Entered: h=6 m=5
